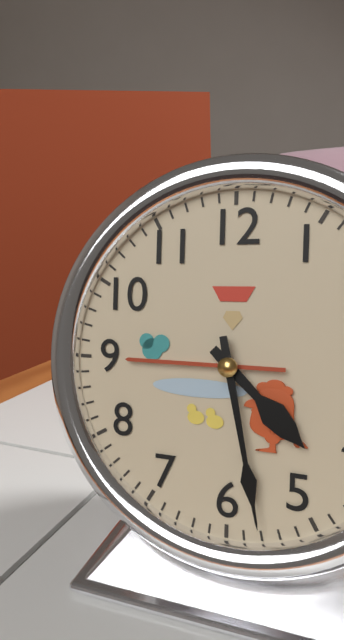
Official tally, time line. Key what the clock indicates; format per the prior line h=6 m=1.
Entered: h=4 m=28
